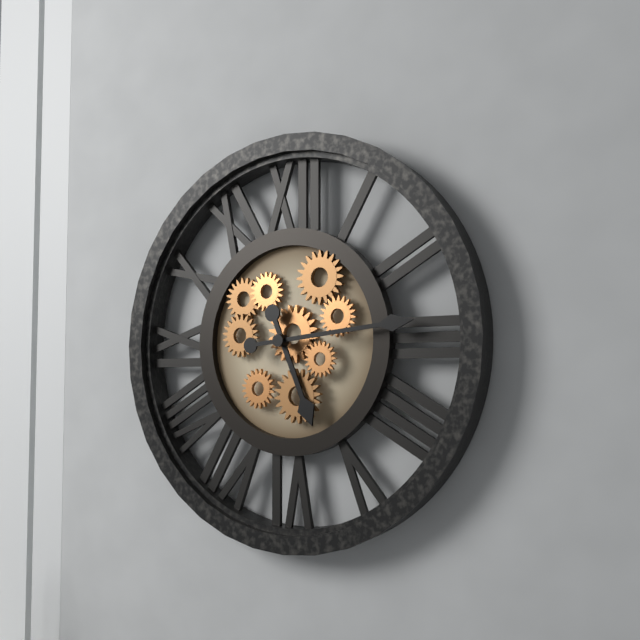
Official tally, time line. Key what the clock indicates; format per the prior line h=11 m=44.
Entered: h=5 m=14
